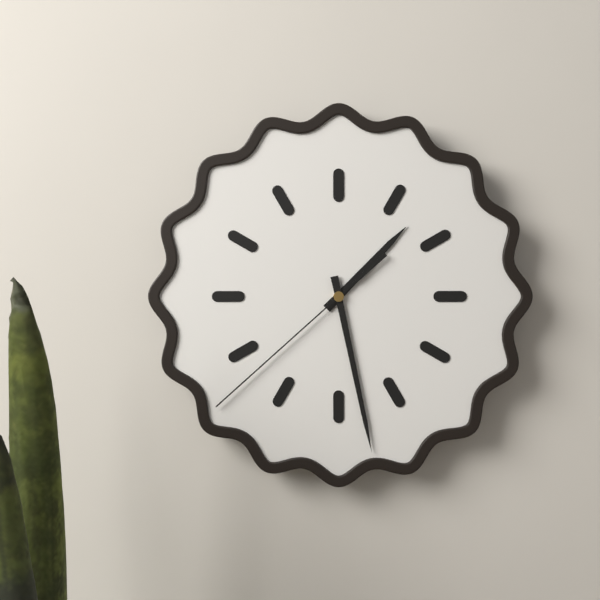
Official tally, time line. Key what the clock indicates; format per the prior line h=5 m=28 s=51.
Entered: h=1 m=28 s=38
